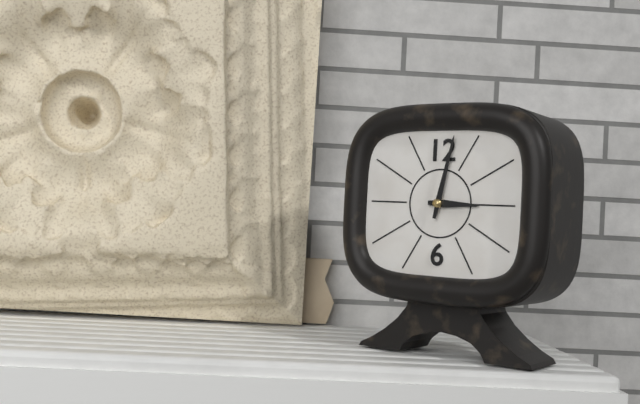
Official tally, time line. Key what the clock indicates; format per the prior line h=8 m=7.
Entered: h=3 m=2
